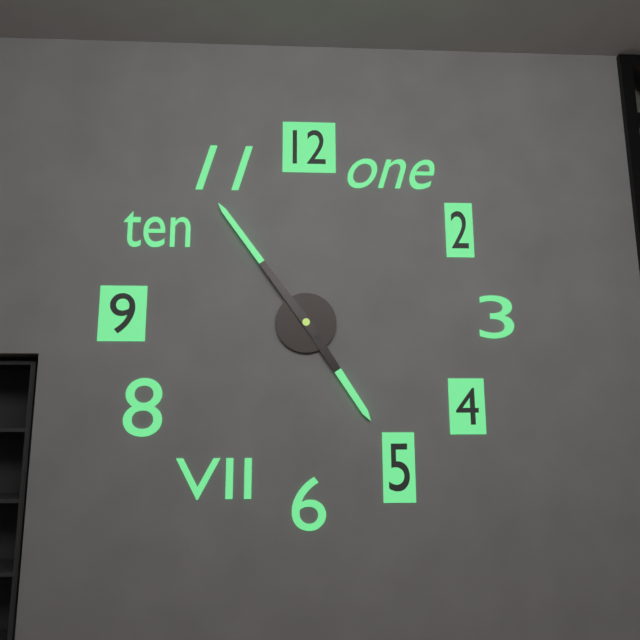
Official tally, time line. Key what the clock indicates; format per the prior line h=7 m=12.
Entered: h=4 m=54
